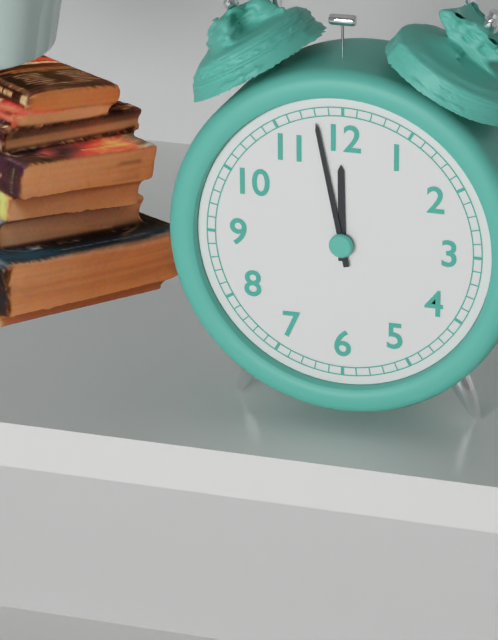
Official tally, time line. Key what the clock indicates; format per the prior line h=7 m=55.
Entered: h=11 m=58
